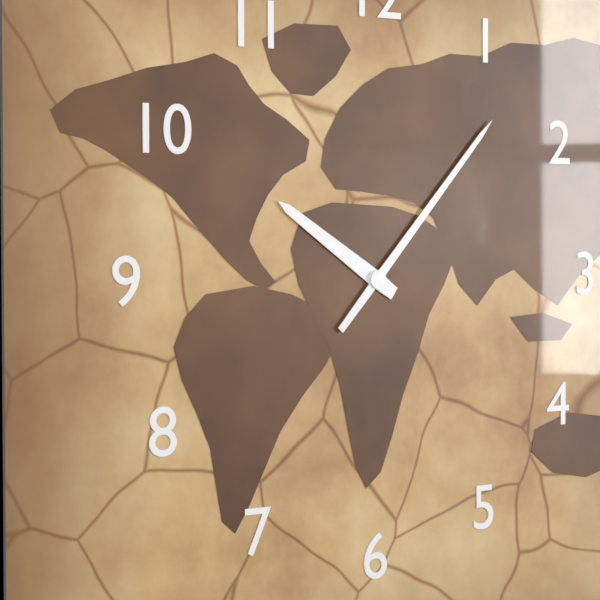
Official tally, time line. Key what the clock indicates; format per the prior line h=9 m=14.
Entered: h=10 m=7
